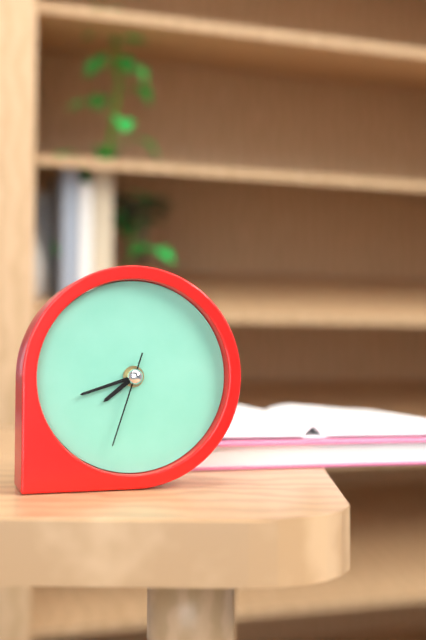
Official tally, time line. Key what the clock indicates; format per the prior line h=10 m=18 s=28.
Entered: h=7 m=42 s=33
